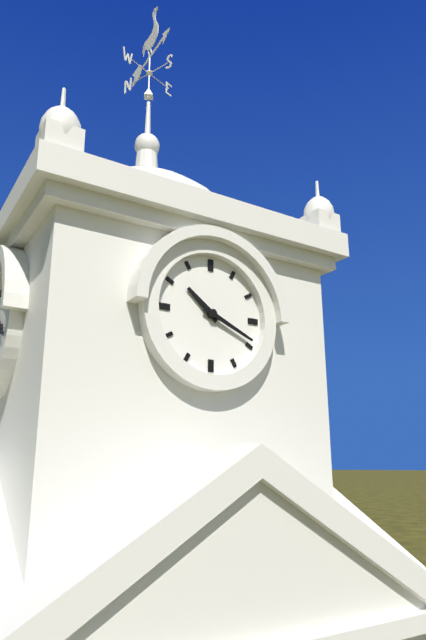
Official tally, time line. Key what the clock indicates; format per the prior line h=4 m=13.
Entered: h=10 m=19
